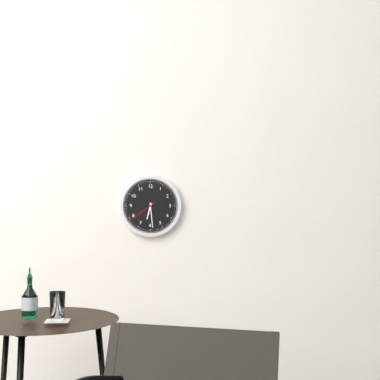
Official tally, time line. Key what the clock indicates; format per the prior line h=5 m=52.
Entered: h=6 m=29
